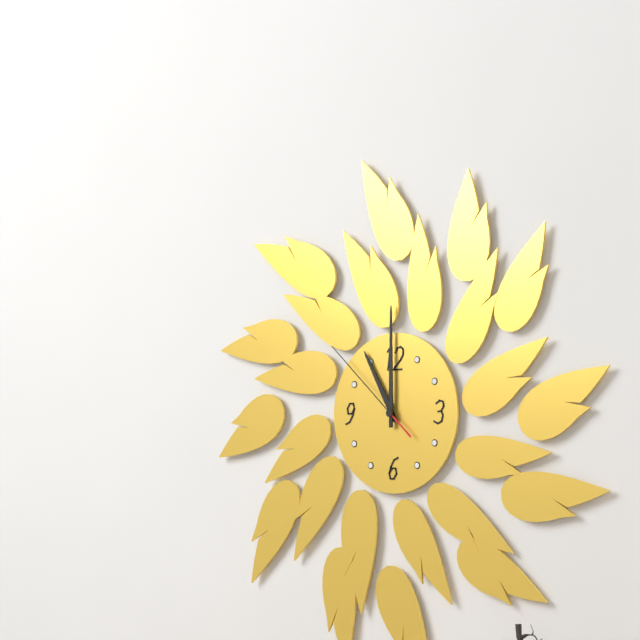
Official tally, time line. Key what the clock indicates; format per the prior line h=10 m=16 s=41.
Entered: h=11 m=0 s=52
